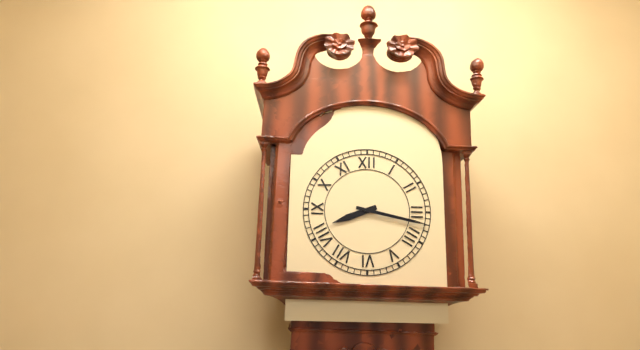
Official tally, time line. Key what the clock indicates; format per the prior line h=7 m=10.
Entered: h=8 m=17
